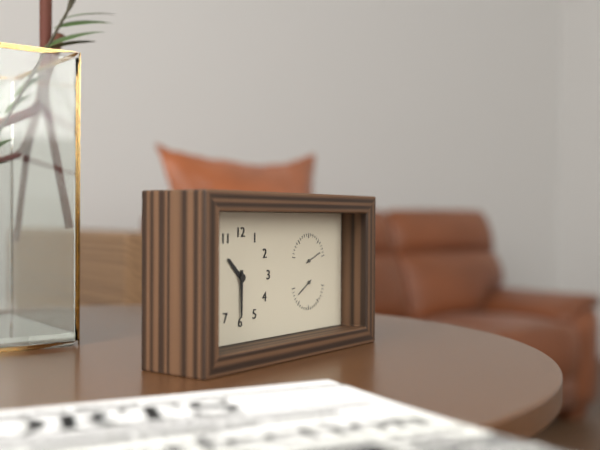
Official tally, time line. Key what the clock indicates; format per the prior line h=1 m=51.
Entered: h=10 m=30
